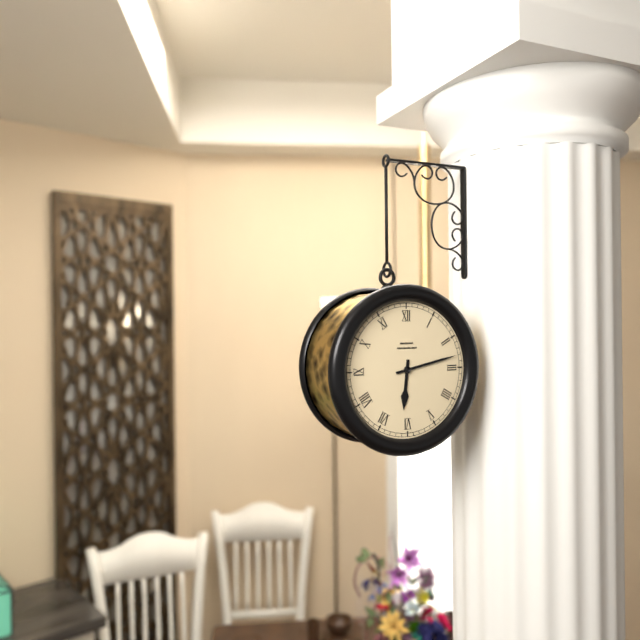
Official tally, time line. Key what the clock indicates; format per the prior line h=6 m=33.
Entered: h=6 m=13
